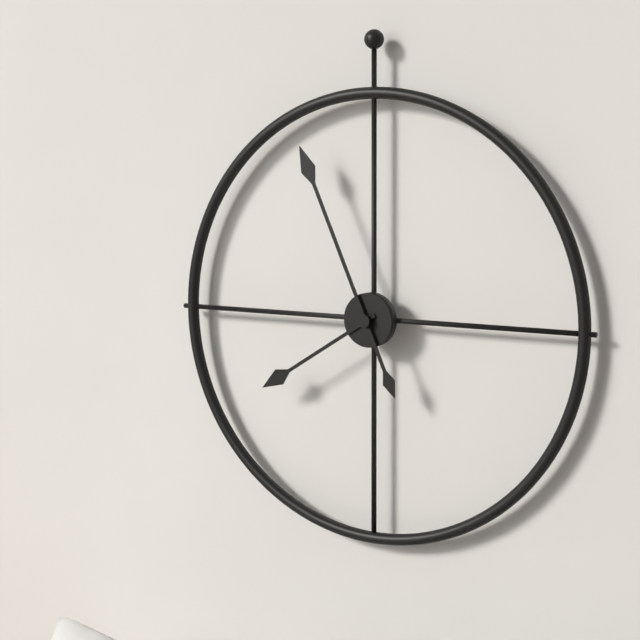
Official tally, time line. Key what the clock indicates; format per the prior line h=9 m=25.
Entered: h=7 m=56
